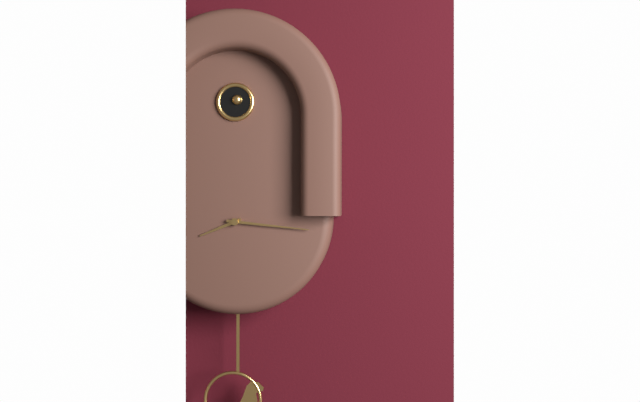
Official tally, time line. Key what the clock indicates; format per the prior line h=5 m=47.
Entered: h=8 m=16
